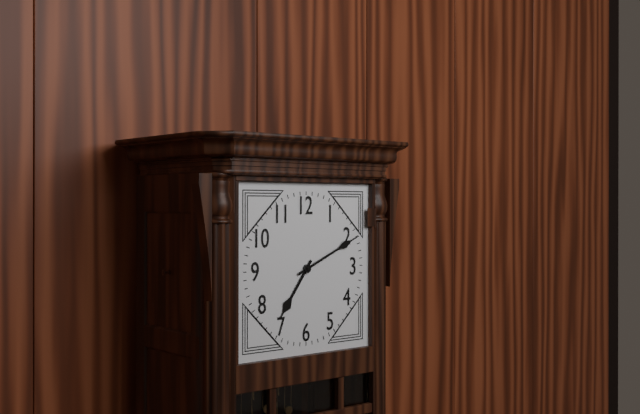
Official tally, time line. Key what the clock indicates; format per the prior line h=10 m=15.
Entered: h=7 m=11
